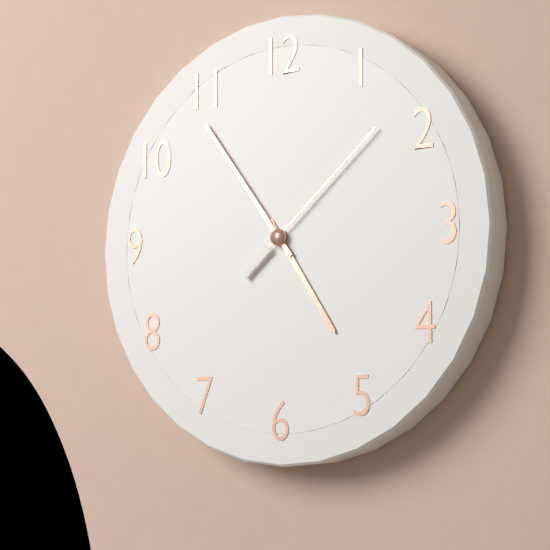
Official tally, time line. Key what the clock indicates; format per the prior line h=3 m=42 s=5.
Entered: h=4 m=54 s=8
